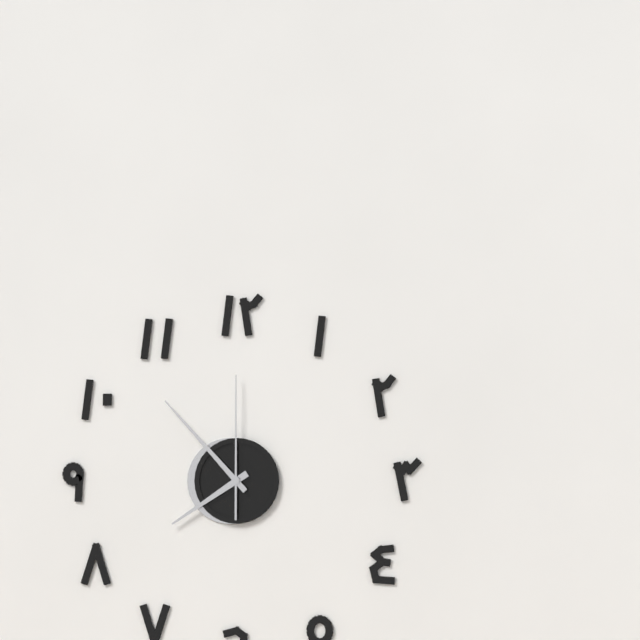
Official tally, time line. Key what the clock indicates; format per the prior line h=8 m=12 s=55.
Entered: h=7 m=53 s=0
